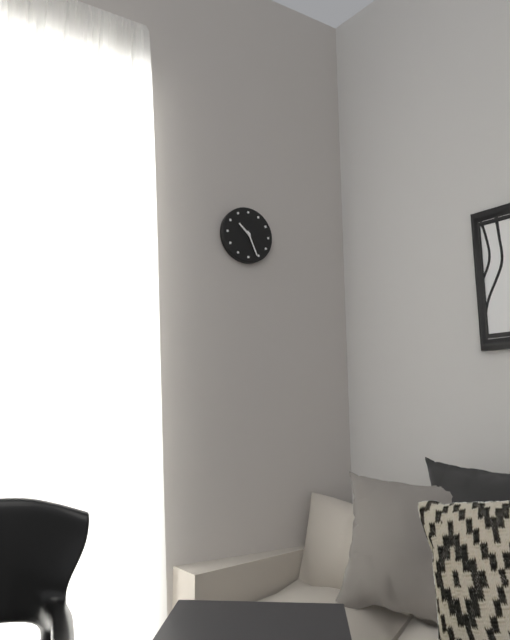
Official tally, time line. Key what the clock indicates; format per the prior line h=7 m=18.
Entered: h=10 m=26
